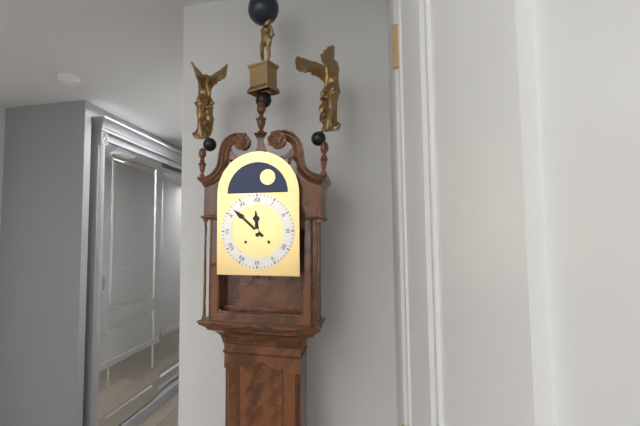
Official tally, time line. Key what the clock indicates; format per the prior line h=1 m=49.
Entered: h=11 m=52
